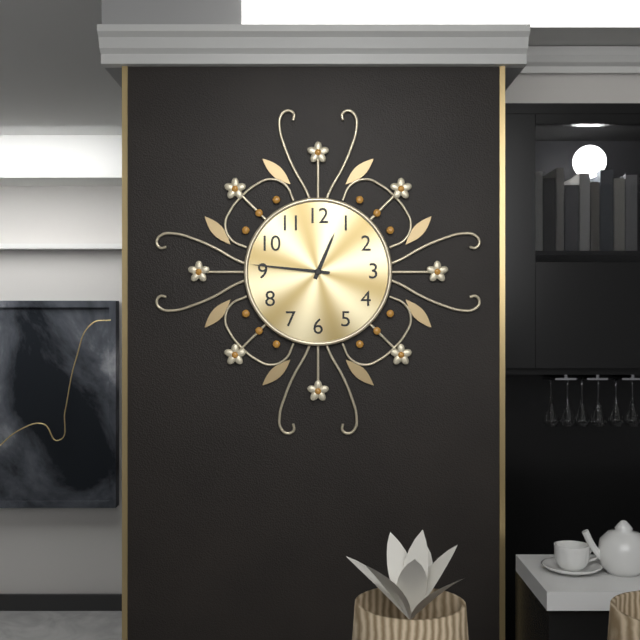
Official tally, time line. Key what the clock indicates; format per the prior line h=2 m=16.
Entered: h=12 m=46
